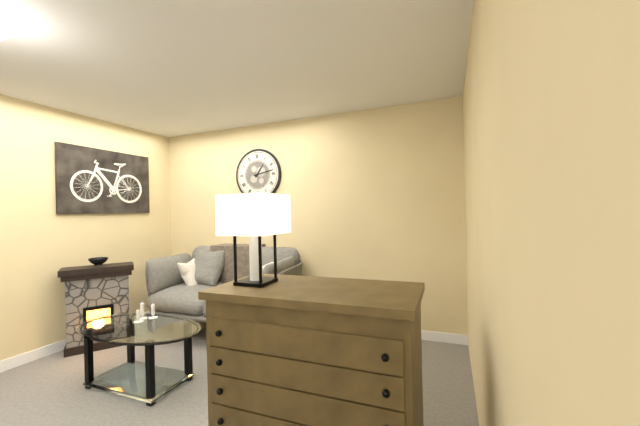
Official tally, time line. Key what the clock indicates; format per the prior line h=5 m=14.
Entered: h=1 m=13
